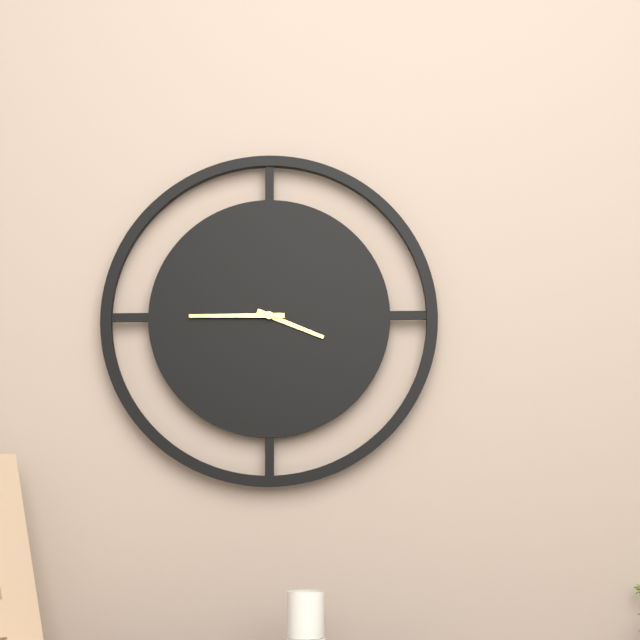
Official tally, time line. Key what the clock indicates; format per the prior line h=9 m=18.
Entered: h=3 m=45
